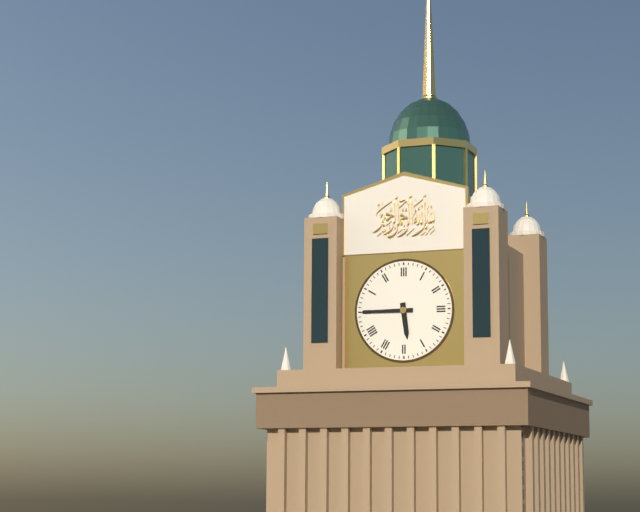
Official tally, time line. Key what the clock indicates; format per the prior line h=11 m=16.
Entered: h=5 m=45
